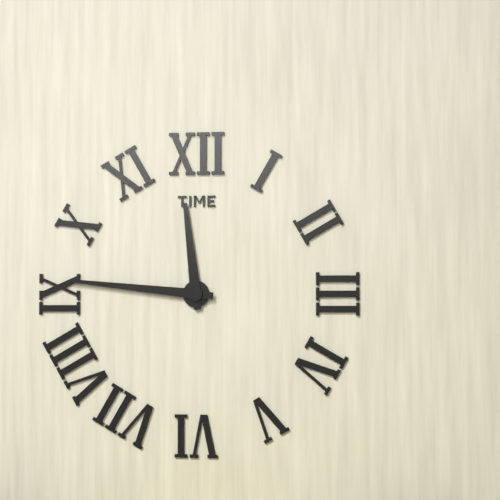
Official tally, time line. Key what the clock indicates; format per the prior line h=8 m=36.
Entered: h=11 m=46
